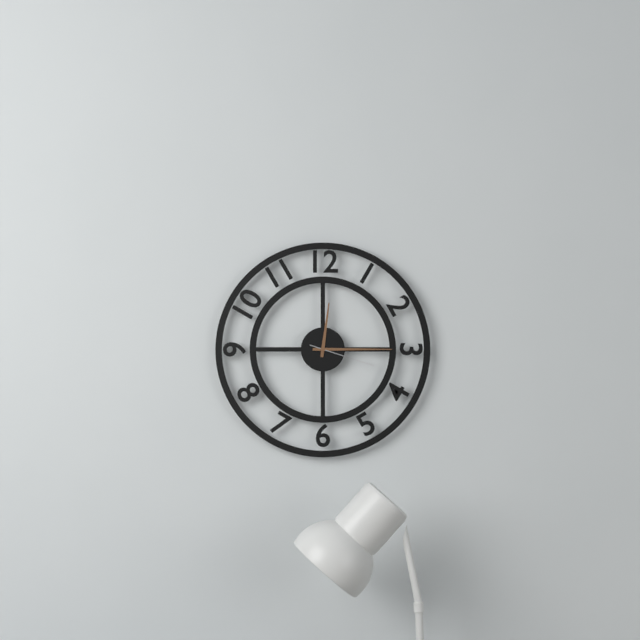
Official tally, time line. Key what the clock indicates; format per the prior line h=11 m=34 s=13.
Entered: h=12 m=15 s=18
